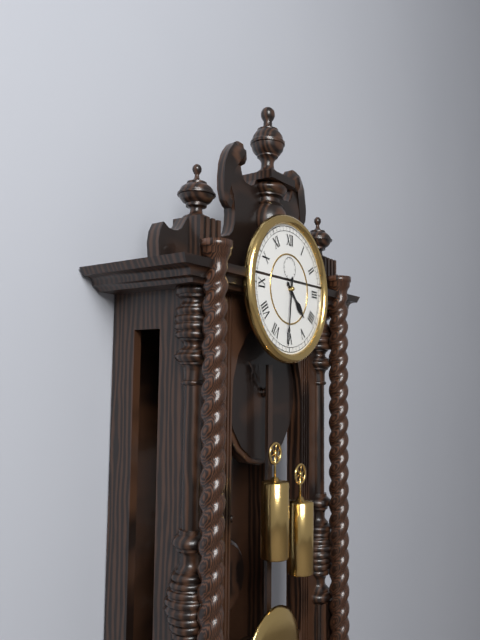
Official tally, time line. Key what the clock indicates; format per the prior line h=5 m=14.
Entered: h=4 m=31
